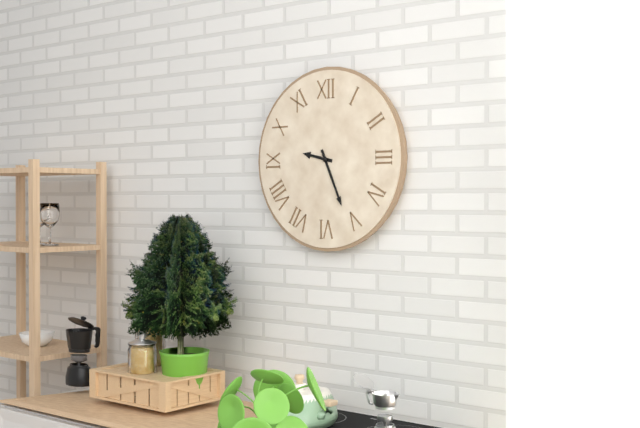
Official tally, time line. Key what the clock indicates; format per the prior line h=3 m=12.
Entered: h=9 m=26
